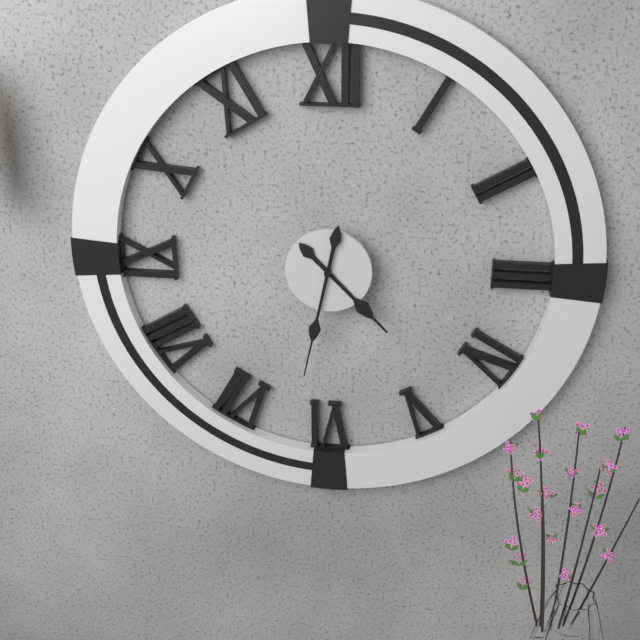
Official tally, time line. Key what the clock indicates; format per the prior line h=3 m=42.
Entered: h=4 m=32
